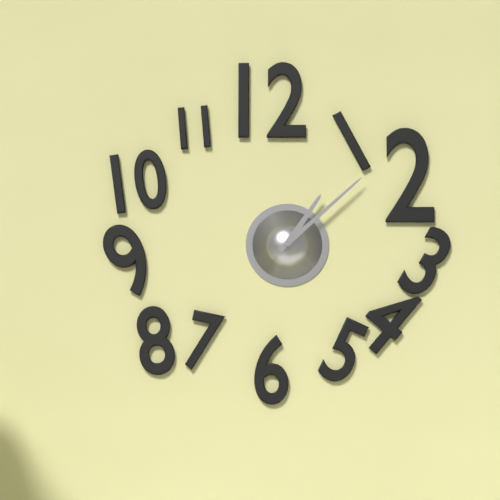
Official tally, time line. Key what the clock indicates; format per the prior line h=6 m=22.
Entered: h=1 m=8
